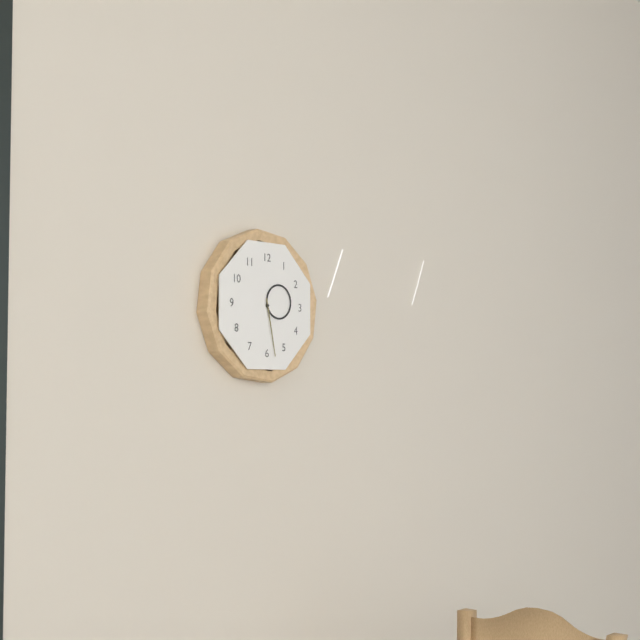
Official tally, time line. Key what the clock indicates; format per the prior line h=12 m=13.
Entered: h=2 m=28
